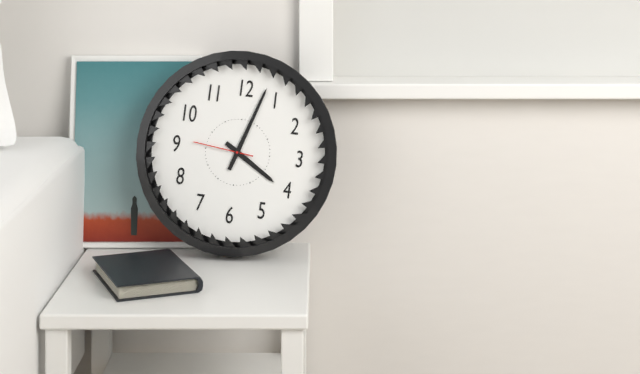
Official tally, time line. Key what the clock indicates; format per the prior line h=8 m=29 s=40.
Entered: h=4 m=3 s=46
